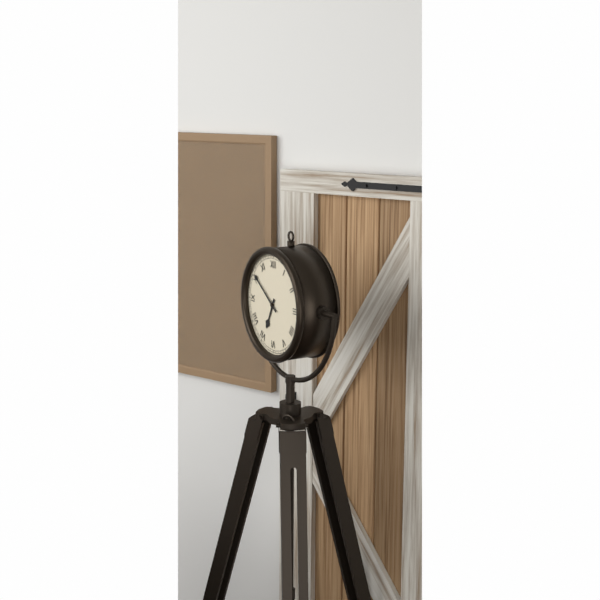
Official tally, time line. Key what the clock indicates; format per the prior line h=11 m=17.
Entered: h=6 m=51
